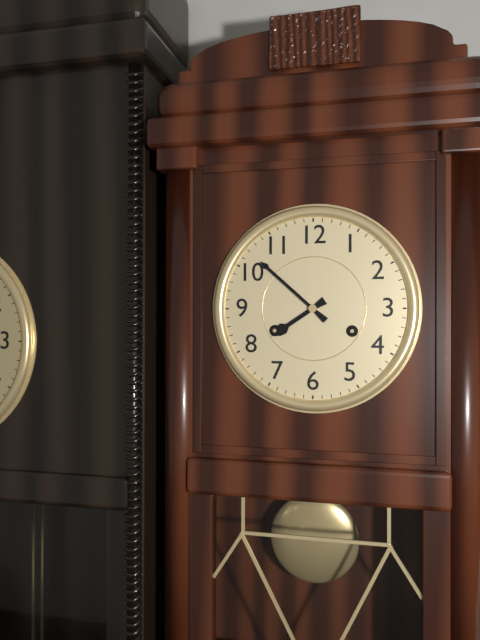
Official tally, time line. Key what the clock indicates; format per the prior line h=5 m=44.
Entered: h=7 m=52
